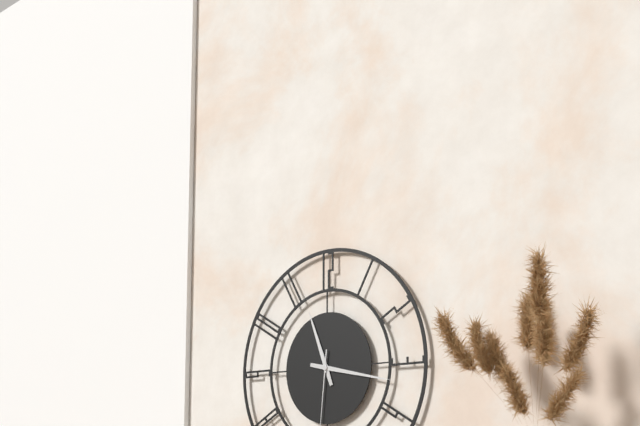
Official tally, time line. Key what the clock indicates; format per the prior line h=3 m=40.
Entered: h=11 m=17
